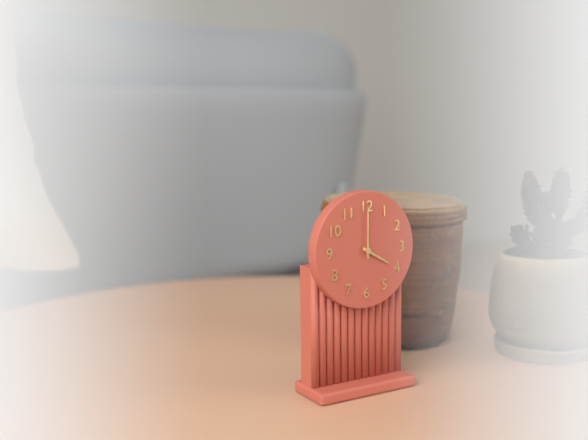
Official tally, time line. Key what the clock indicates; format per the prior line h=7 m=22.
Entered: h=4 m=0
